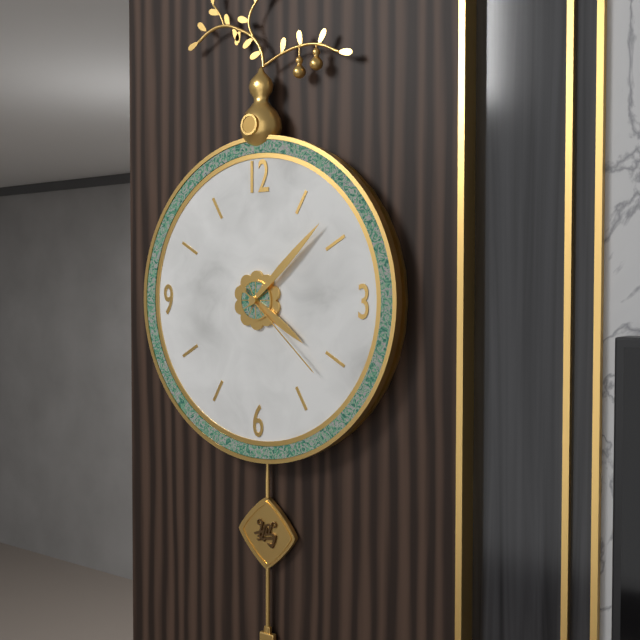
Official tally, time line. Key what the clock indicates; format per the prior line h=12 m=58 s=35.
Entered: h=4 m=8 s=22
